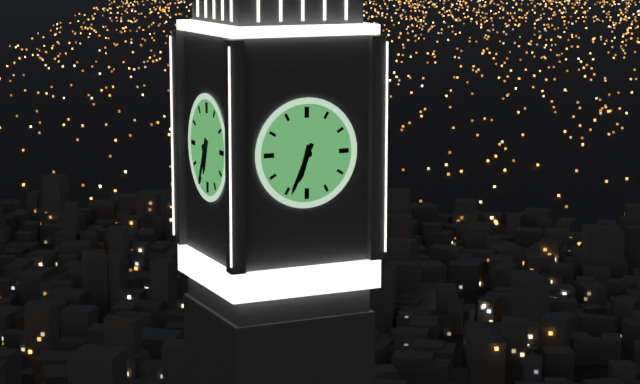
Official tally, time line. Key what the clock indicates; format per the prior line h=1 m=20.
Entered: h=6 m=34
